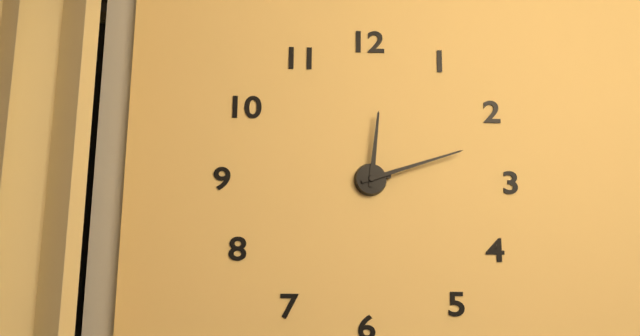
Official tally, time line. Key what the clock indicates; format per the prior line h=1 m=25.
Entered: h=12 m=12
